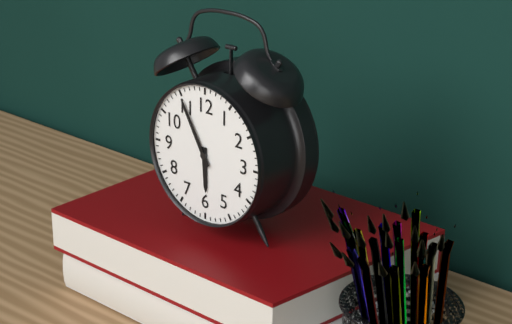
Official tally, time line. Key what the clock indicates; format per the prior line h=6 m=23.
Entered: h=5 m=55
